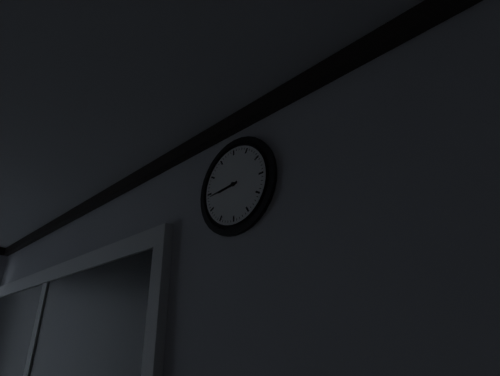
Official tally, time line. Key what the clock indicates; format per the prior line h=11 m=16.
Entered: h=8 m=44
